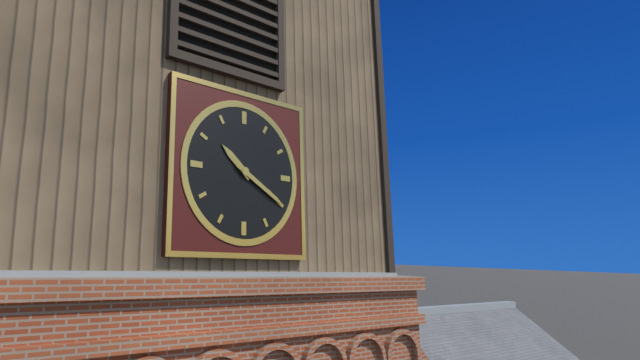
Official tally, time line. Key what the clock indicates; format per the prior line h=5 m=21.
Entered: h=10 m=20
